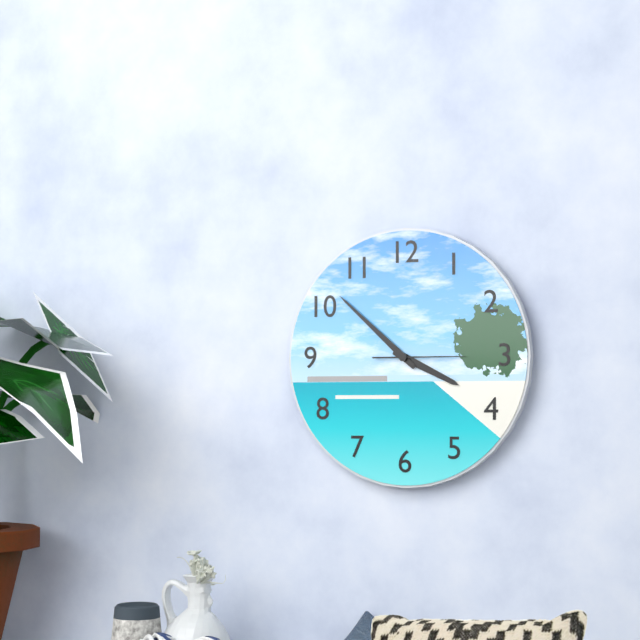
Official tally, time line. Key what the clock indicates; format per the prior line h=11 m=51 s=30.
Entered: h=3 m=52 s=15
